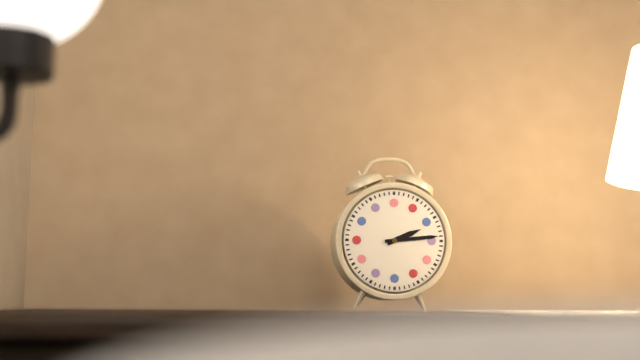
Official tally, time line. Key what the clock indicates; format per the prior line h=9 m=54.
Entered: h=2 m=14
